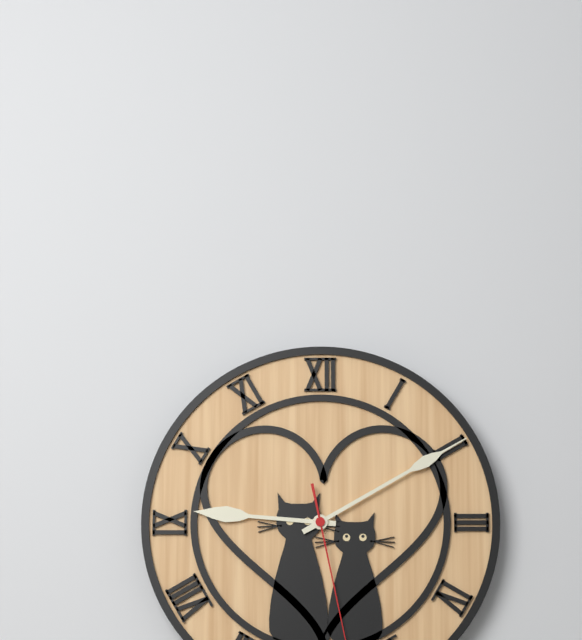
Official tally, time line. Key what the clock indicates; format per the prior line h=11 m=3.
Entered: h=9 m=10
